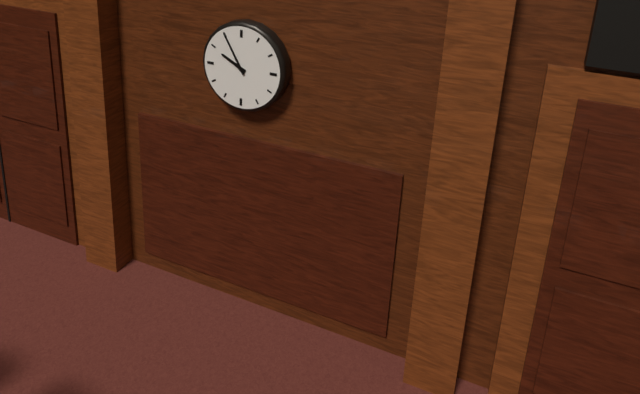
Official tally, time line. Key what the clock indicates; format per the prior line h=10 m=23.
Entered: h=9 m=55
